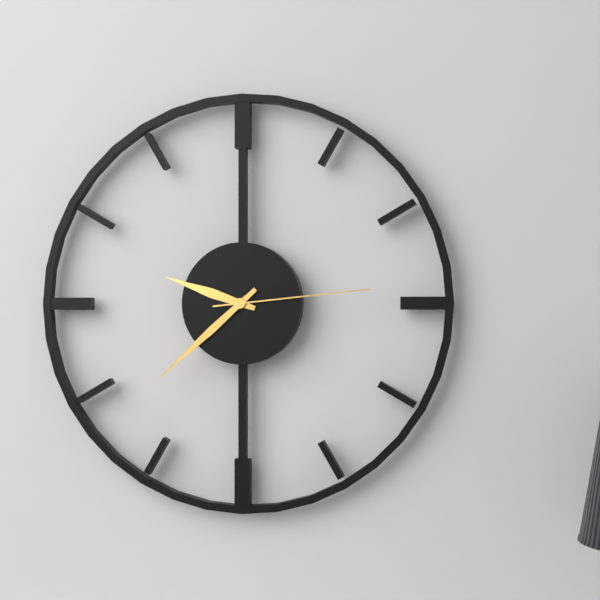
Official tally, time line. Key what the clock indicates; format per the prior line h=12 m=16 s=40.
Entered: h=9 m=38 s=14
